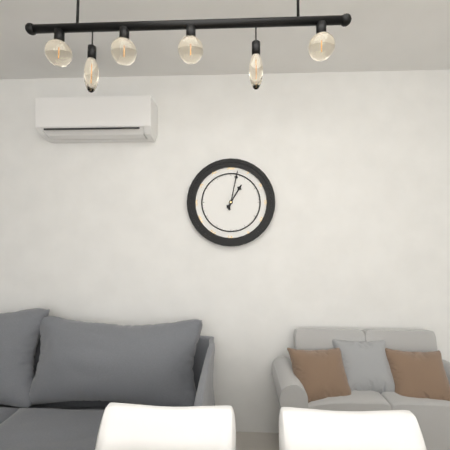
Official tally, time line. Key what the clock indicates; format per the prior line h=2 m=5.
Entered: h=1 m=2
